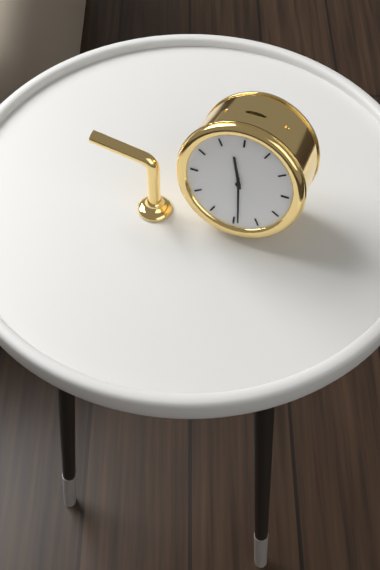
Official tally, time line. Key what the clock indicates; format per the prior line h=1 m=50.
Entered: h=11 m=29
